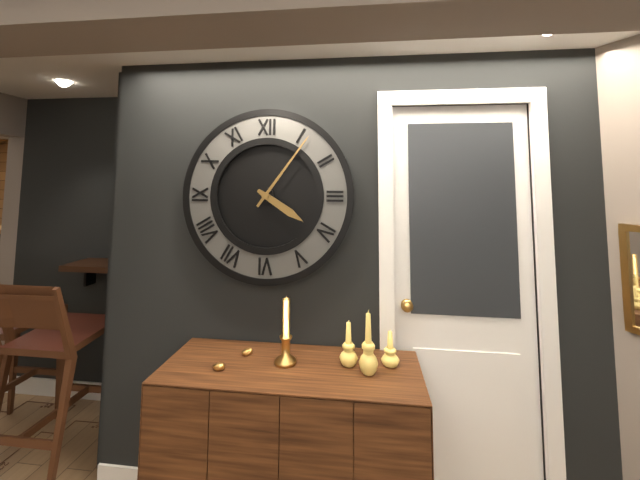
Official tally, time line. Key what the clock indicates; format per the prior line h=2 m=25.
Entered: h=4 m=6
